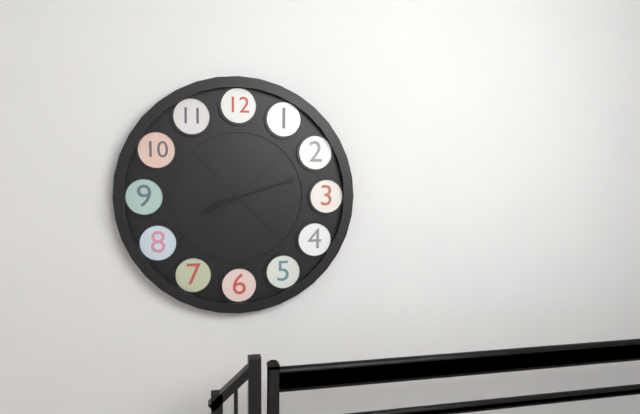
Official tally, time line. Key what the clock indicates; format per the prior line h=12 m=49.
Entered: h=8 m=12
